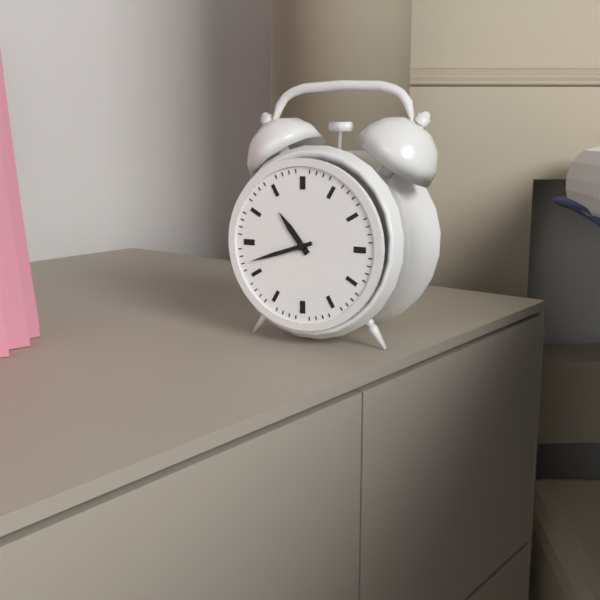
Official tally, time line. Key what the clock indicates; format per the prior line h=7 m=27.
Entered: h=10 m=42
